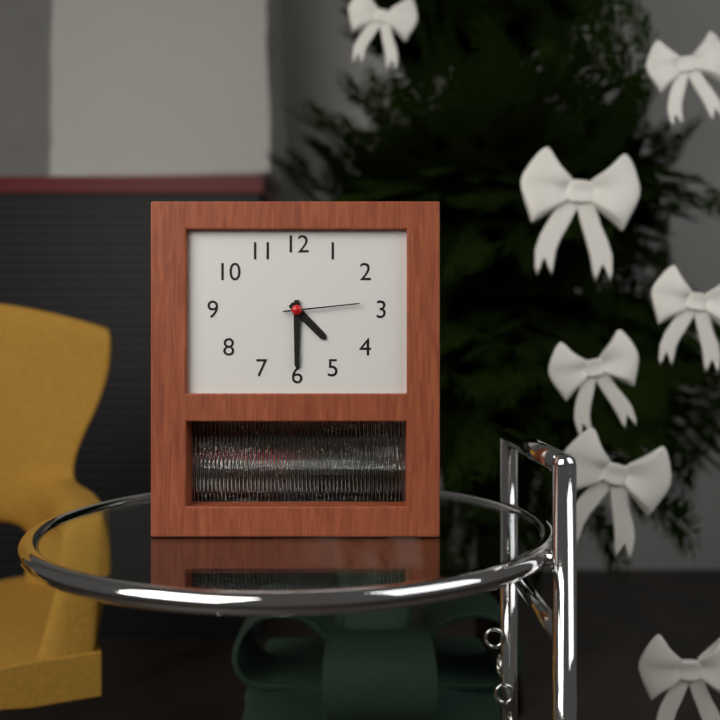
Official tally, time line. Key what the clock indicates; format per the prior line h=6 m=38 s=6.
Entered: h=4 m=30 s=14
